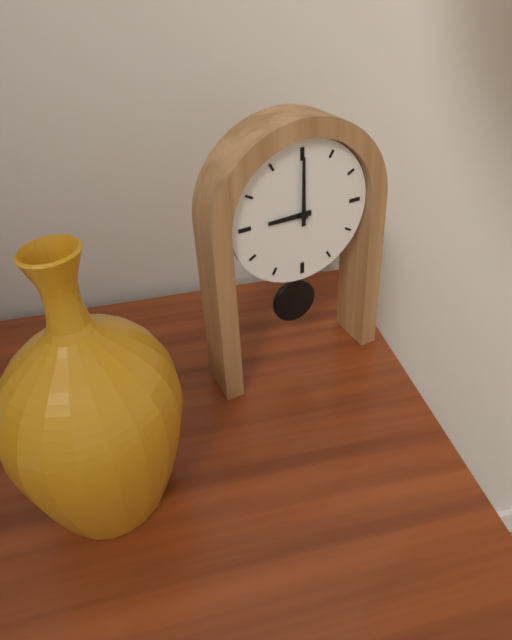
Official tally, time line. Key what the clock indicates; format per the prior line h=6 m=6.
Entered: h=9 m=0
